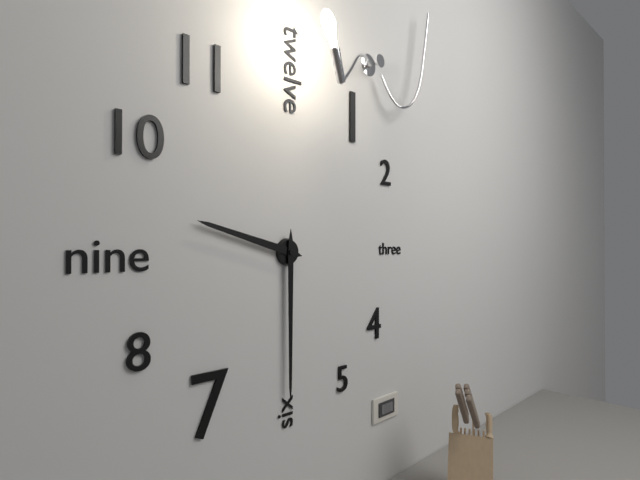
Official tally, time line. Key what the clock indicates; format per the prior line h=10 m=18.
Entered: h=9 m=30
